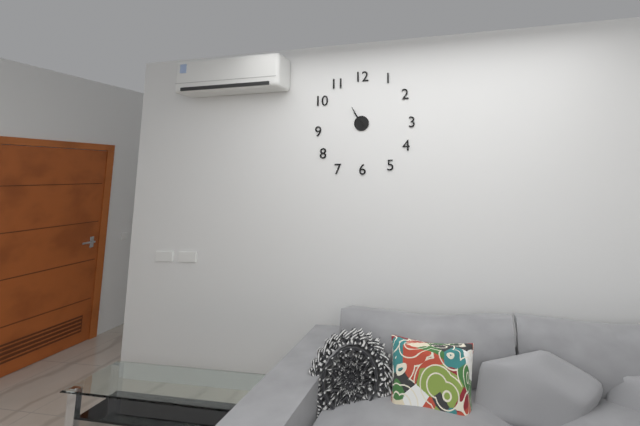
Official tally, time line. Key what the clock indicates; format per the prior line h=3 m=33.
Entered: h=10 m=55
